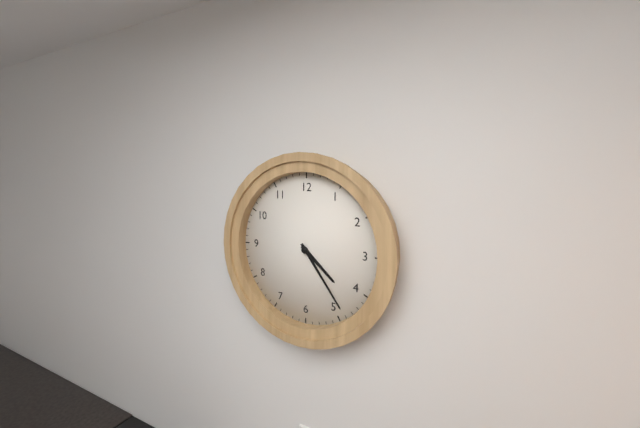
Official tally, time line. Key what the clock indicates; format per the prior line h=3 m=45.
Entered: h=4 m=24
